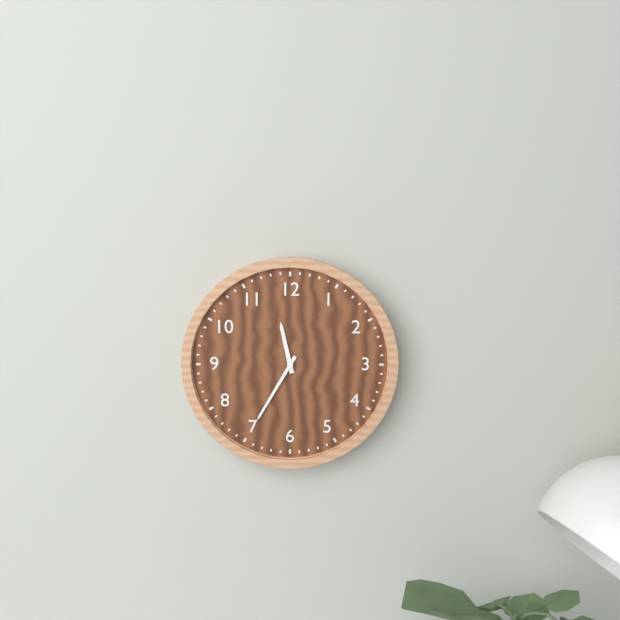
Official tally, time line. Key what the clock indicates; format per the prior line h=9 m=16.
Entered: h=11 m=35
